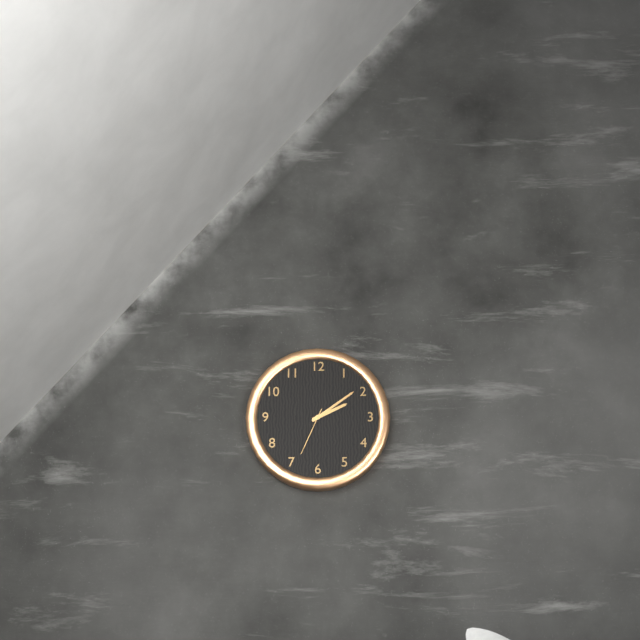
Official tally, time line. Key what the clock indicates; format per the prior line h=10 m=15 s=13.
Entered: h=2 m=9 s=34
